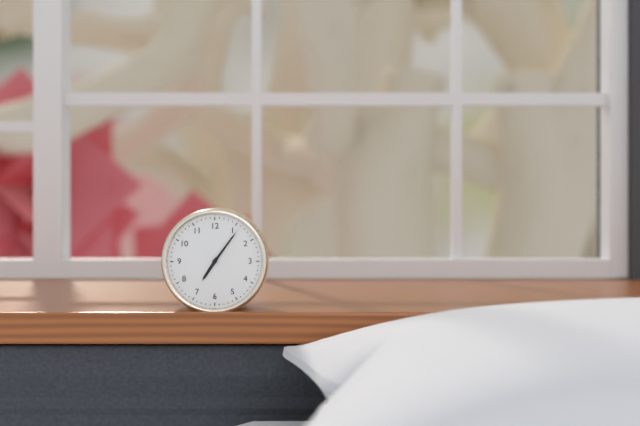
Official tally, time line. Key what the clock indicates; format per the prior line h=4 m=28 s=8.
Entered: h=7 m=6 s=6
